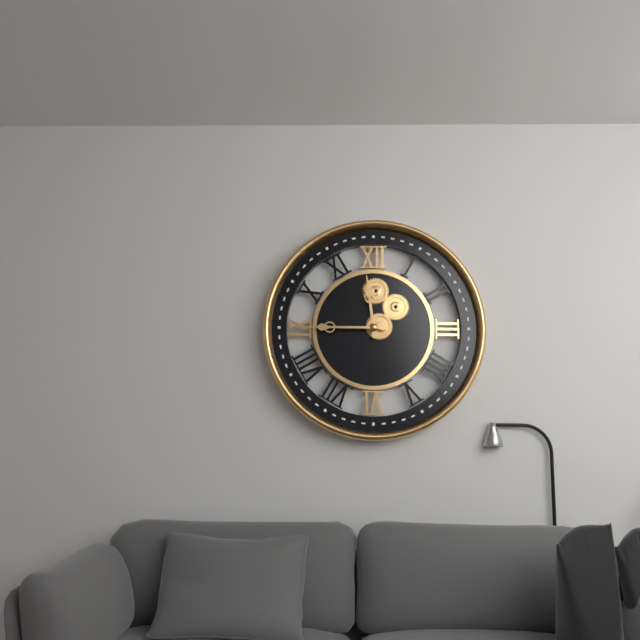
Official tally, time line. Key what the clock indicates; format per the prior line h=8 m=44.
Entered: h=11 m=45
